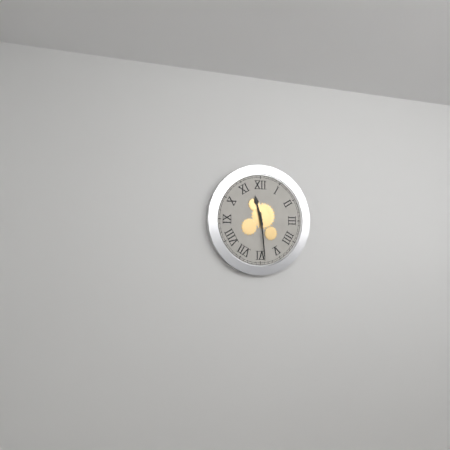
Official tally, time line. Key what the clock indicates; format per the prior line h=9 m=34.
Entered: h=11 m=29
